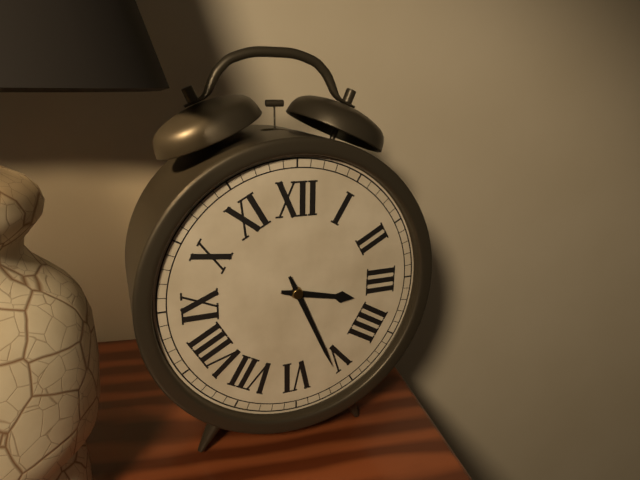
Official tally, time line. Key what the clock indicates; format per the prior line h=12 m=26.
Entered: h=3 m=26
